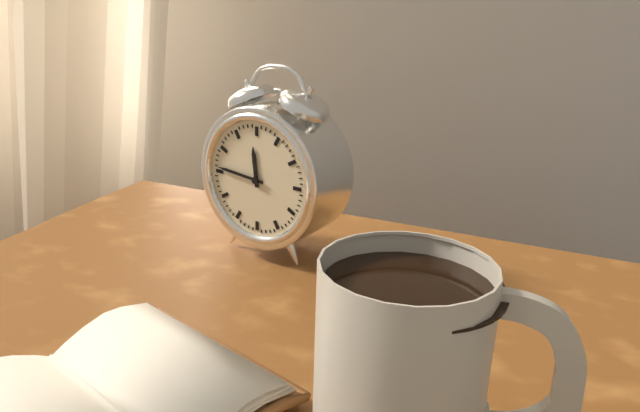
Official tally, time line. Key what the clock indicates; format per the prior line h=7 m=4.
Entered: h=11 m=46
